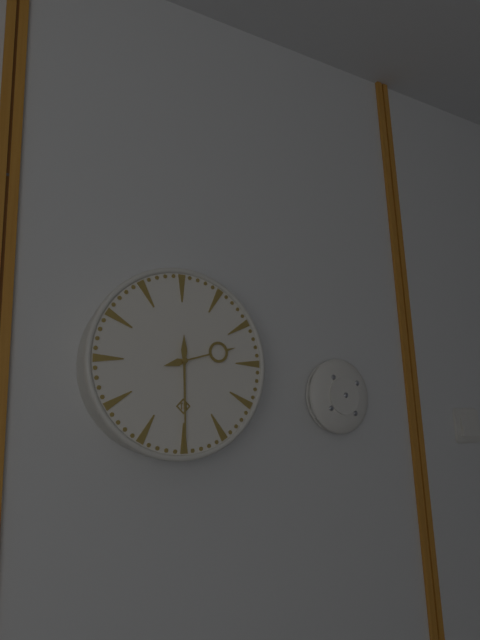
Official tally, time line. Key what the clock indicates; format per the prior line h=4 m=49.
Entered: h=2 m=30
